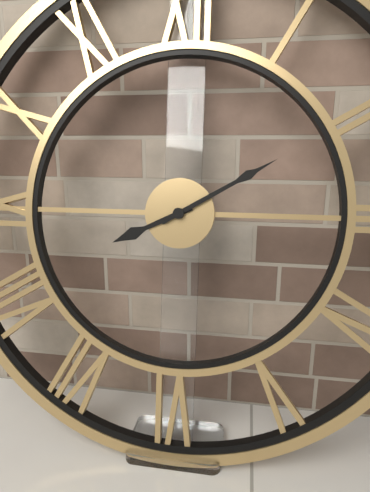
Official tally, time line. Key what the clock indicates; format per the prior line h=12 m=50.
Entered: h=8 m=10
